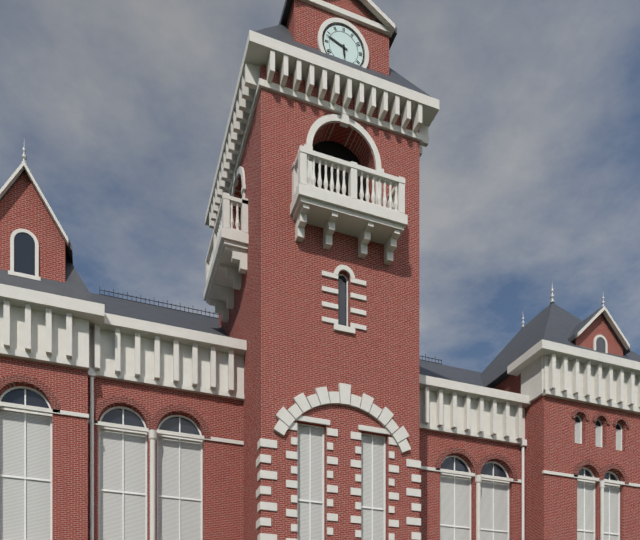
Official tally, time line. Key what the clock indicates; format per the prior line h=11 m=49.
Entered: h=5 m=48
